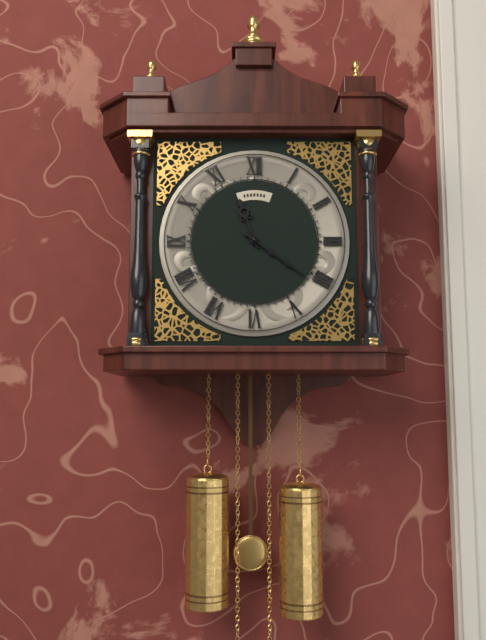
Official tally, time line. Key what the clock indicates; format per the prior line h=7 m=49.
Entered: h=11 m=21
